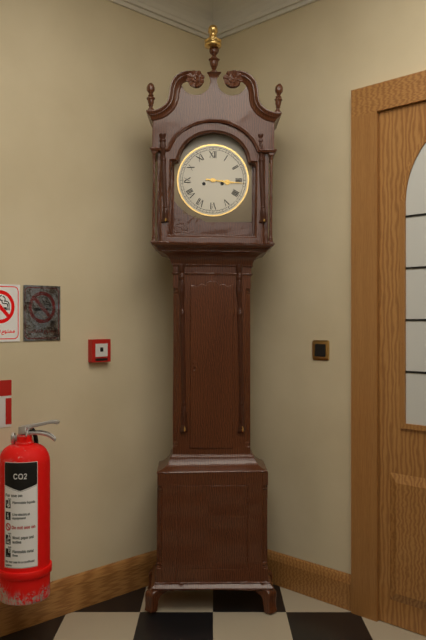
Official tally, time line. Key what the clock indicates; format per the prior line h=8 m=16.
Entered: h=3 m=16
